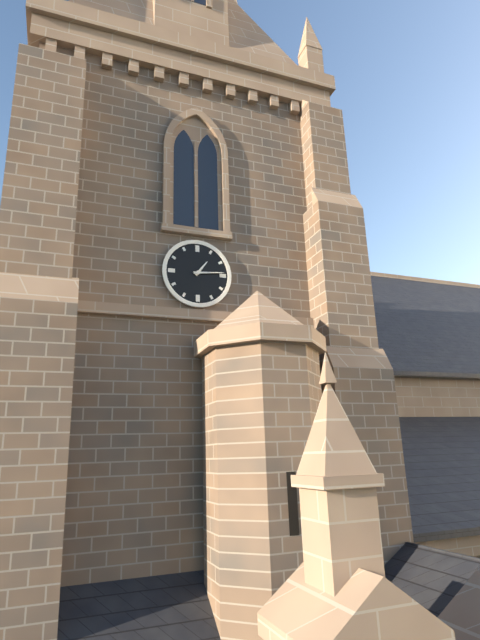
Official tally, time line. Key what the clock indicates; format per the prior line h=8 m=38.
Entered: h=1 m=14
